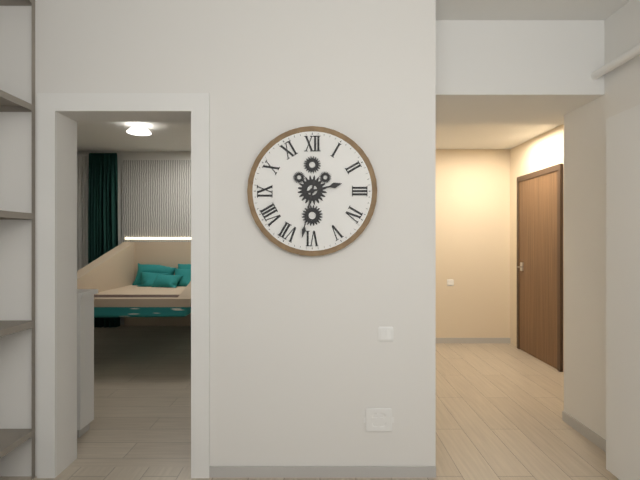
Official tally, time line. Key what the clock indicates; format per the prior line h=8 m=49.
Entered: h=2 m=32
